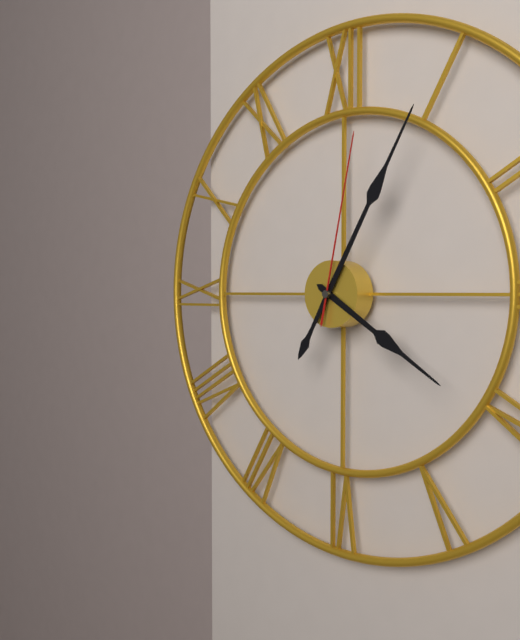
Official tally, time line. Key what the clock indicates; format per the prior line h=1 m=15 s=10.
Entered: h=4 m=5 s=2
